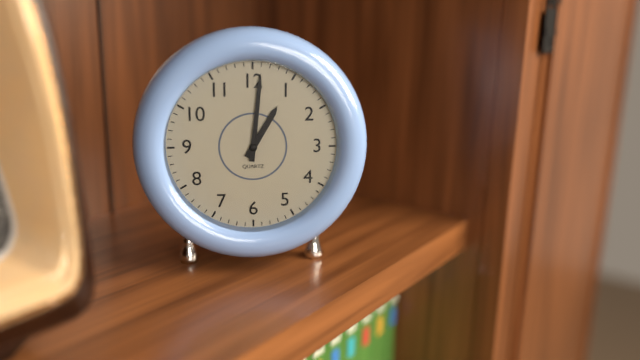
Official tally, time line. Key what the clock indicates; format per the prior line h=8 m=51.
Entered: h=1 m=1
